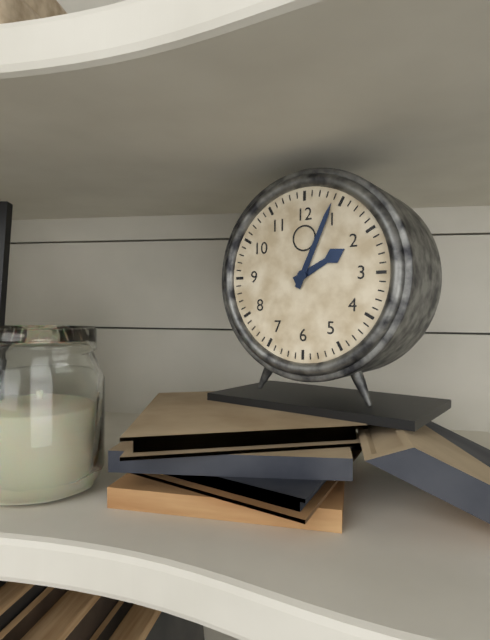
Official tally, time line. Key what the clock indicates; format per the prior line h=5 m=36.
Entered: h=2 m=4
